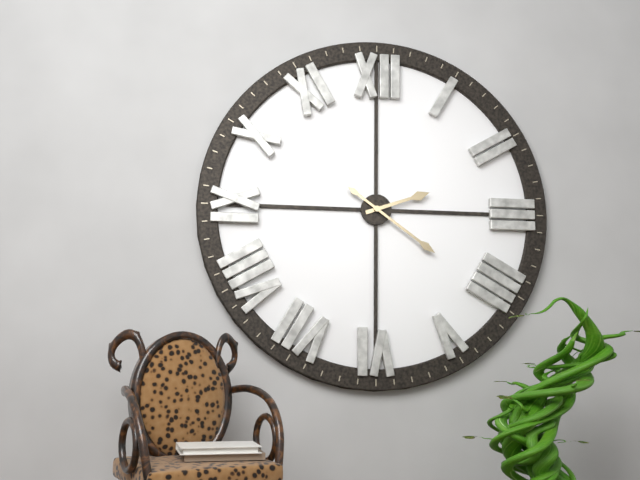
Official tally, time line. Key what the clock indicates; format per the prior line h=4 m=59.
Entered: h=2 m=21
